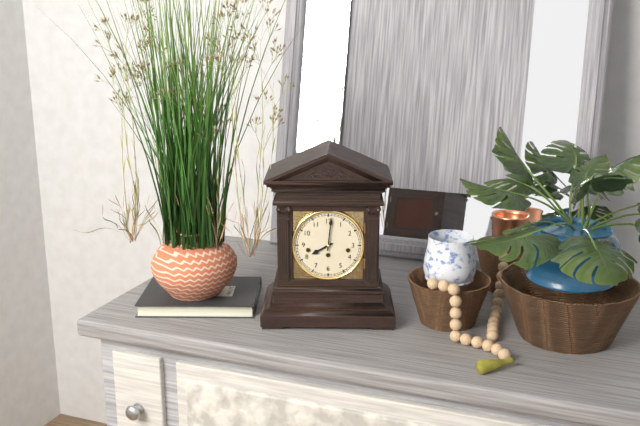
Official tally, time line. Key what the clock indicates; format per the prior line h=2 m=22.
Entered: h=8 m=1
